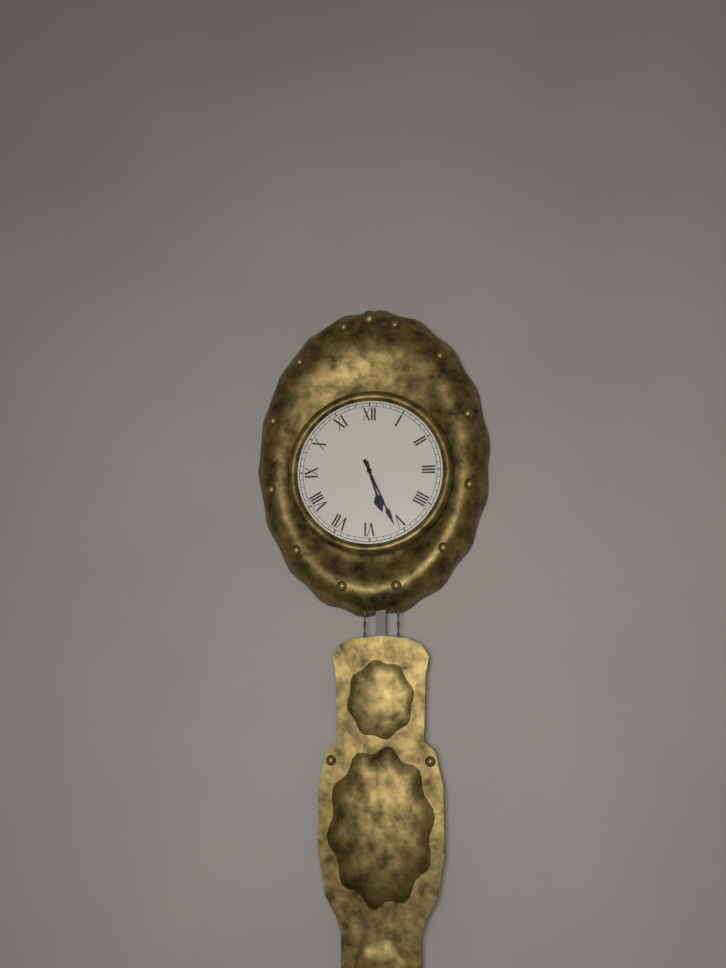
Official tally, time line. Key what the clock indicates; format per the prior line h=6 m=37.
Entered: h=5 m=26
